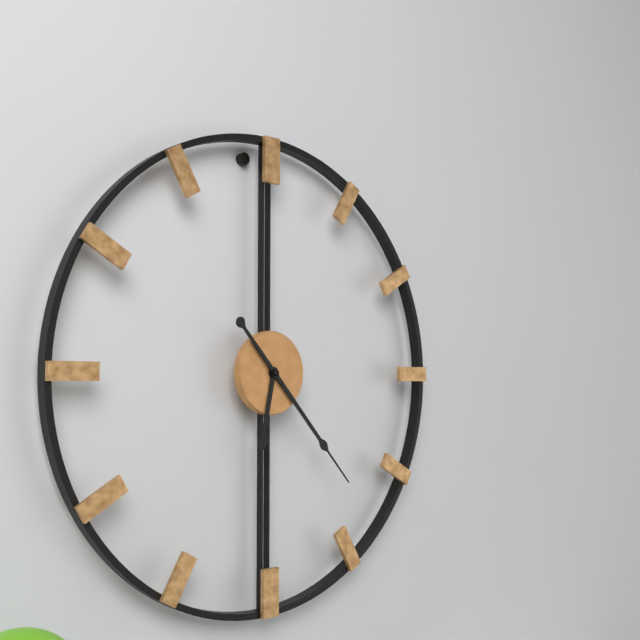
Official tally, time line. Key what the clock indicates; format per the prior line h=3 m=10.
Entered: h=6 m=23
